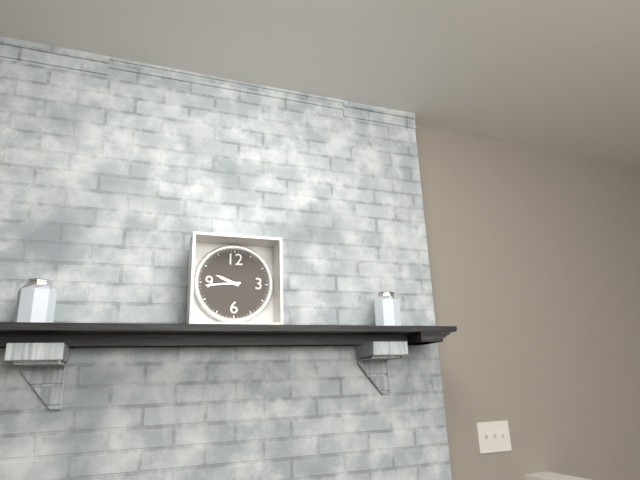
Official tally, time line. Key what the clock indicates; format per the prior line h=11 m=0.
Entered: h=9 m=44
